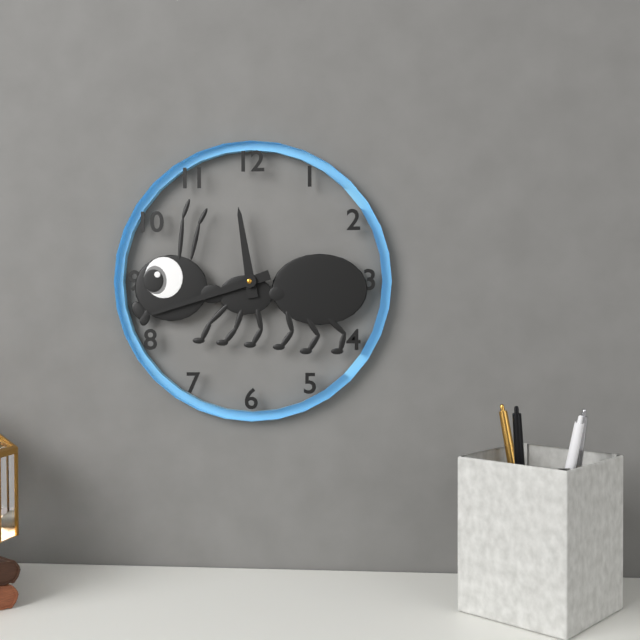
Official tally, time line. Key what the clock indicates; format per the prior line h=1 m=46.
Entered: h=11 m=42
